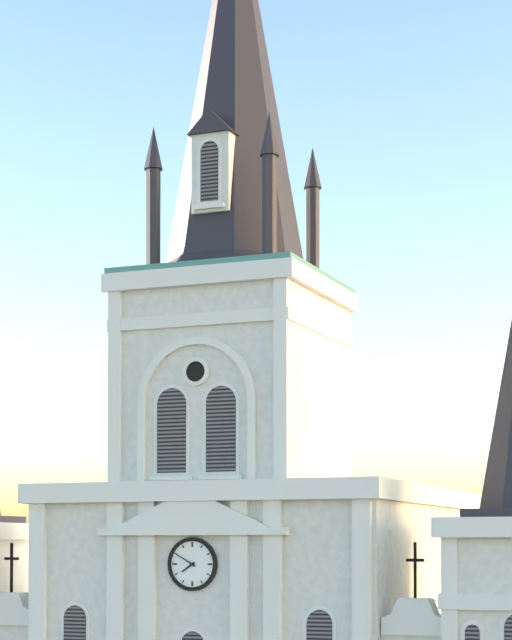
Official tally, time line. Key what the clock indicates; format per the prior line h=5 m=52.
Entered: h=7 m=50
